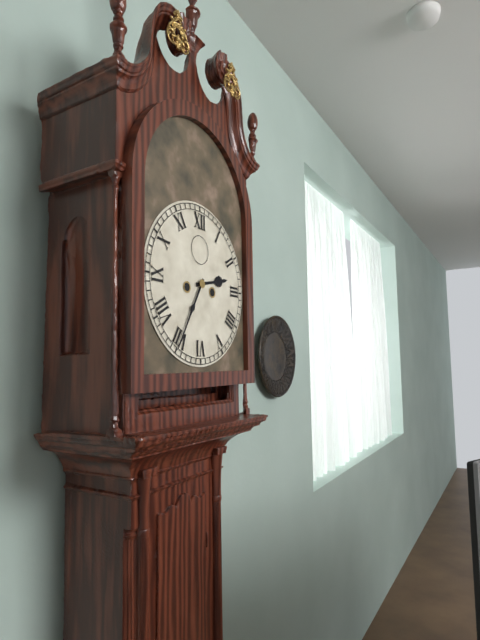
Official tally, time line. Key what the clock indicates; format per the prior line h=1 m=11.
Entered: h=2 m=35
